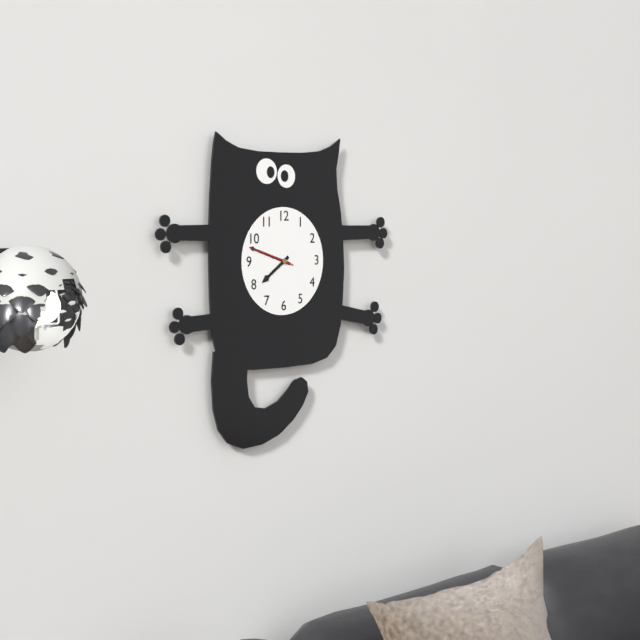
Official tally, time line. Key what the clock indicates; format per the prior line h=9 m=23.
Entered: h=7 m=48
